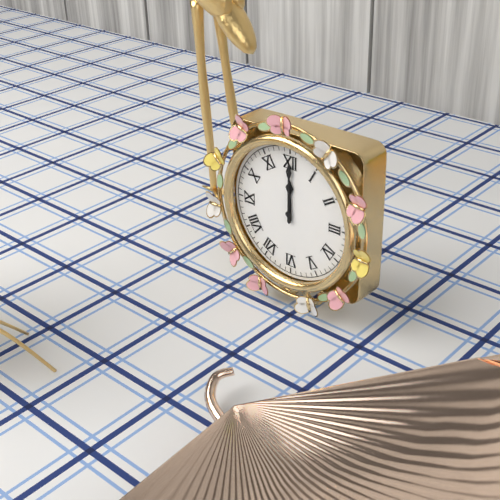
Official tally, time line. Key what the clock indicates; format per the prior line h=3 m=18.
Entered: h=12 m=0
